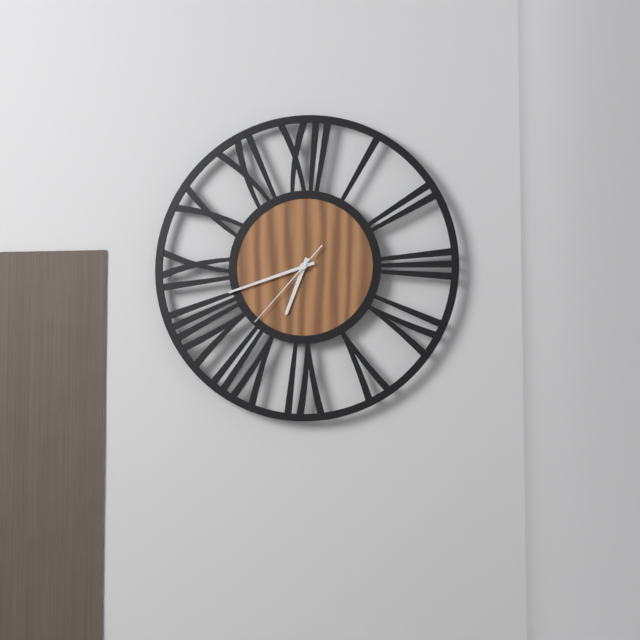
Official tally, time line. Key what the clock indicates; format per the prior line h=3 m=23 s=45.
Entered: h=6 m=42 s=37
